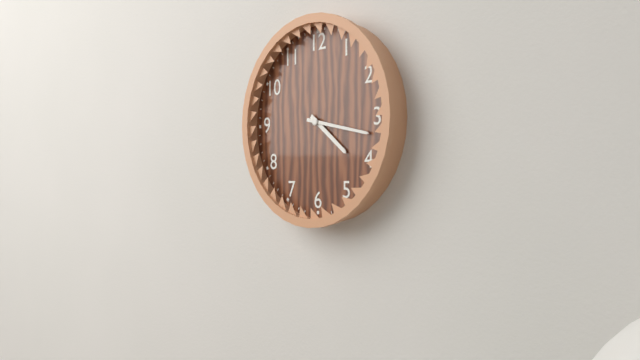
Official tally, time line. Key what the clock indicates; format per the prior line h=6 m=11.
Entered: h=4 m=17
